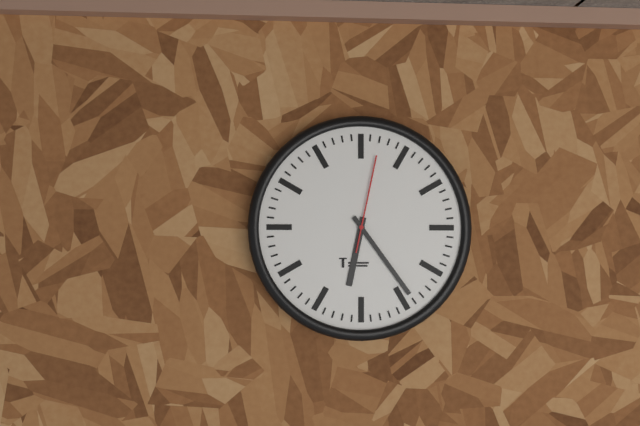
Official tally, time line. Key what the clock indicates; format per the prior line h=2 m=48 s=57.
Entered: h=6 m=24 s=2
